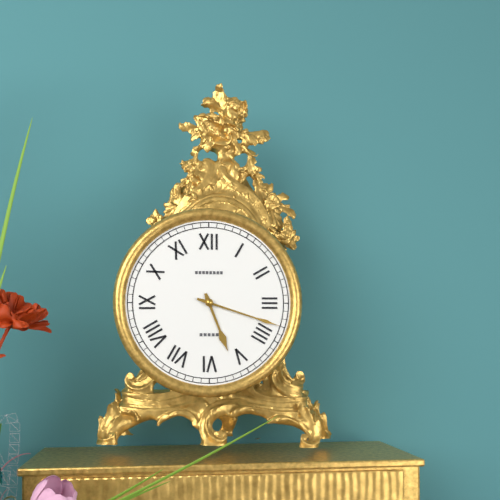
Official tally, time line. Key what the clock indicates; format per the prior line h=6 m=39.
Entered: h=5 m=18
